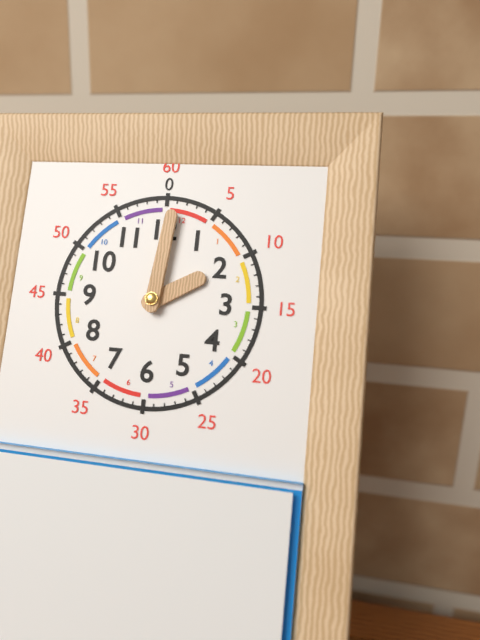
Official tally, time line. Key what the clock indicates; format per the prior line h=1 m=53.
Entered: h=2 m=1
